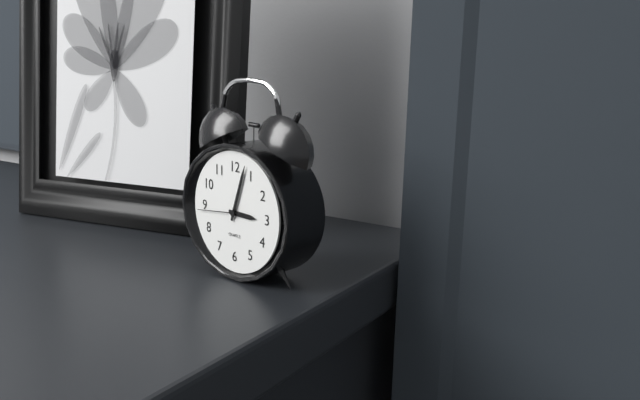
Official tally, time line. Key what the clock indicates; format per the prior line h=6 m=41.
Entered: h=3 m=3
